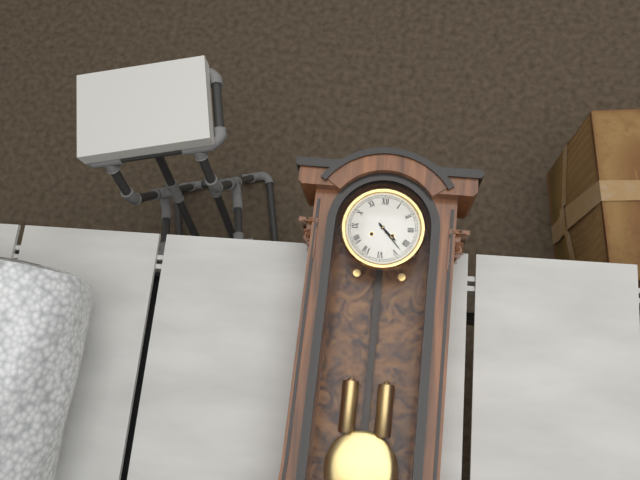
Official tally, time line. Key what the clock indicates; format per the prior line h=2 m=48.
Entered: h=4 m=23
